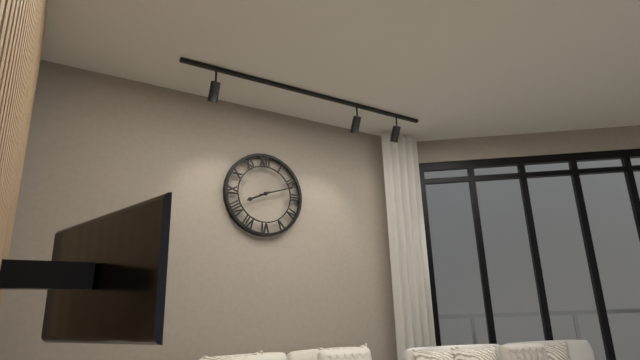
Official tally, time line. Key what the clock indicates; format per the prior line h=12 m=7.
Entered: h=8 m=12
